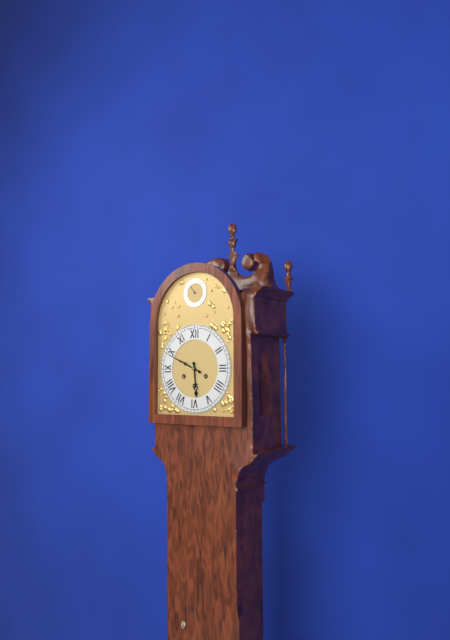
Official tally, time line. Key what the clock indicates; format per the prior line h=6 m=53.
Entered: h=5 m=49
